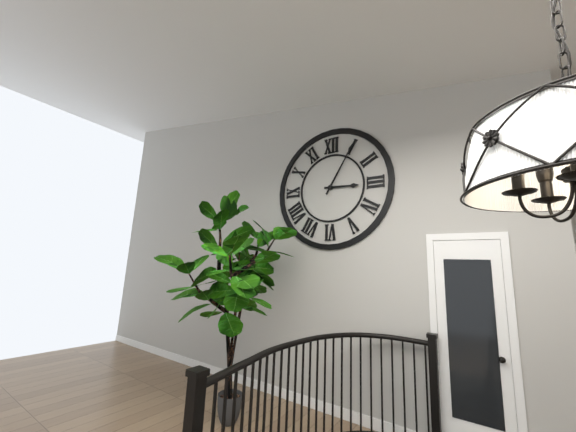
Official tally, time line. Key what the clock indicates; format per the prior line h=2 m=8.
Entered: h=3 m=5
